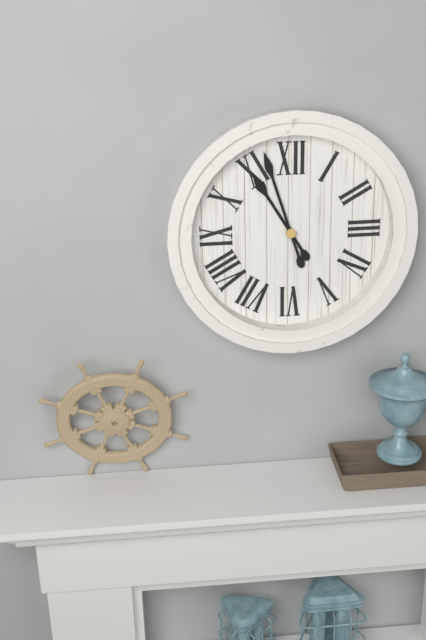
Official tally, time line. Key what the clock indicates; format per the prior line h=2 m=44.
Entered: h=10 m=57
